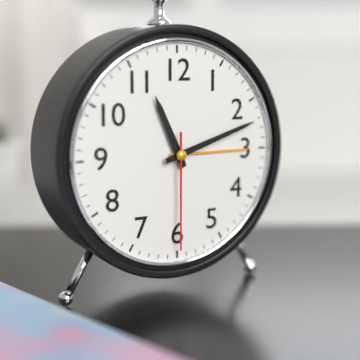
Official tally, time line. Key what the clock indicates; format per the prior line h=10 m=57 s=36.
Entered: h=11 m=12 s=30
